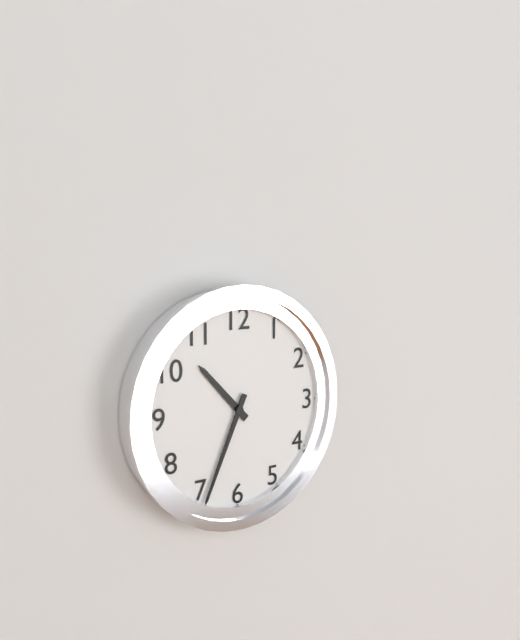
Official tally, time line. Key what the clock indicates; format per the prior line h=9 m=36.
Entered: h=10 m=34
